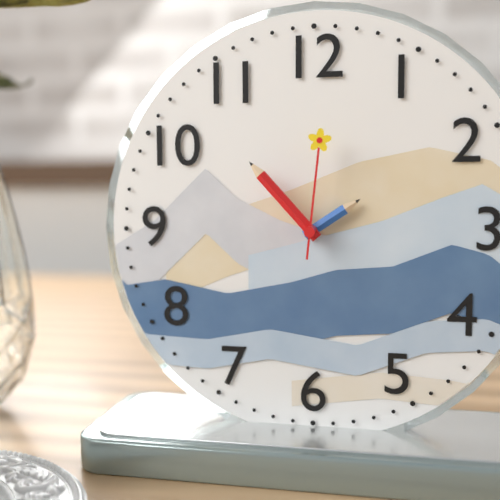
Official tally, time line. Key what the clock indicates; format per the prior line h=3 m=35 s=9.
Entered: h=1 m=53 s=1
